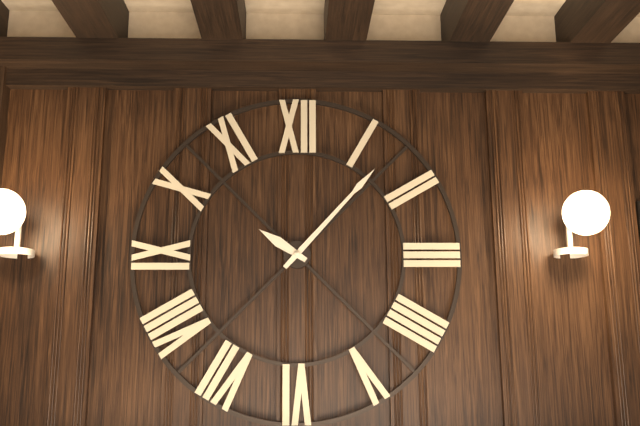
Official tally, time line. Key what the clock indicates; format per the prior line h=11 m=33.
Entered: h=10 m=7
